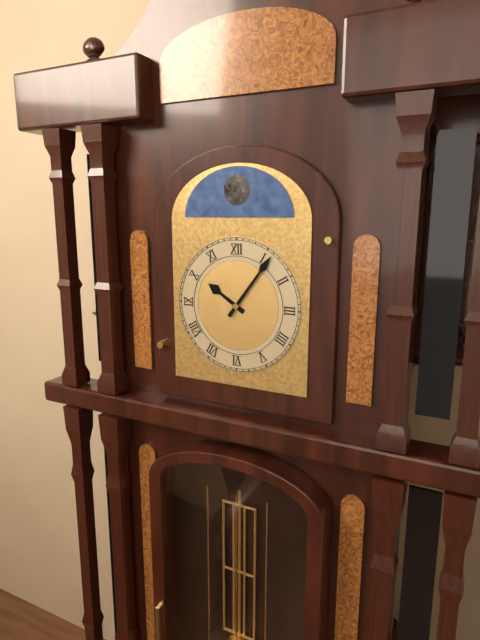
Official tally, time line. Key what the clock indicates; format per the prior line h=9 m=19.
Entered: h=10 m=6
